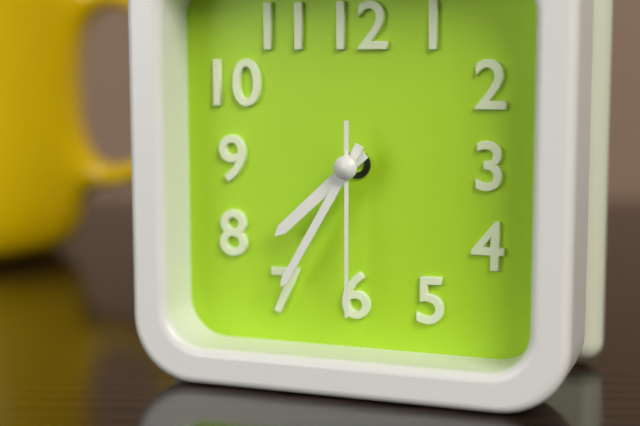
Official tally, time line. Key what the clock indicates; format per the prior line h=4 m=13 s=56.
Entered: h=7 m=35 s=30
